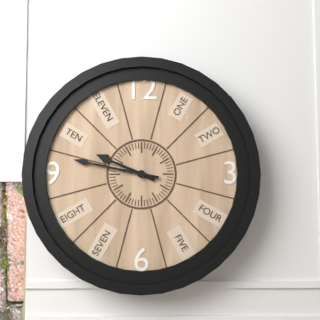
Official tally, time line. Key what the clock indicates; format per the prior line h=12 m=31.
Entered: h=9 m=47
